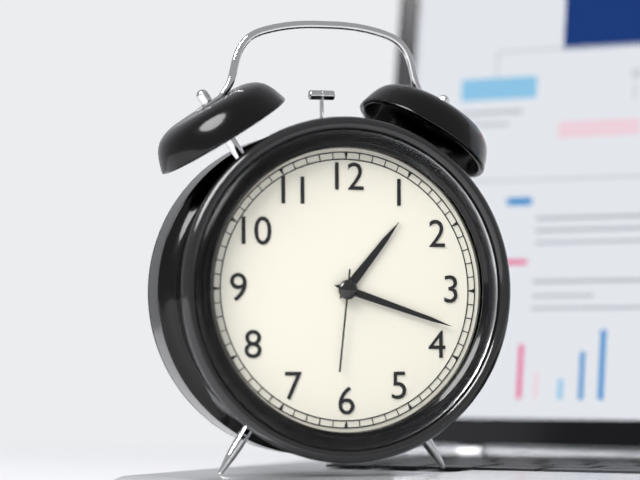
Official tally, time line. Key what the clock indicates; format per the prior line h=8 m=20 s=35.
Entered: h=1 m=18 s=31
